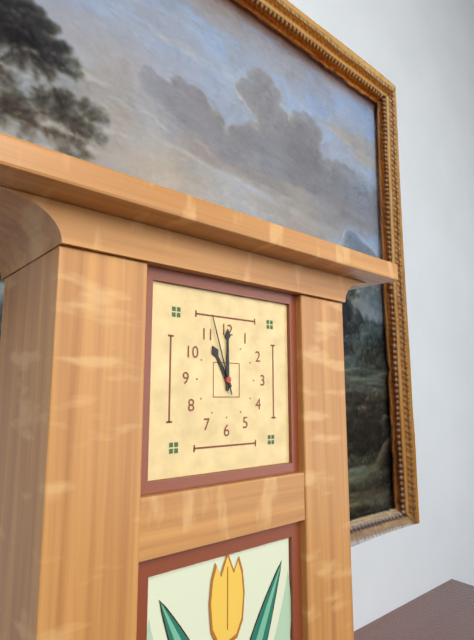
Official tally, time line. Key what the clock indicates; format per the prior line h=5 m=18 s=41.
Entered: h=11 m=0 s=57
